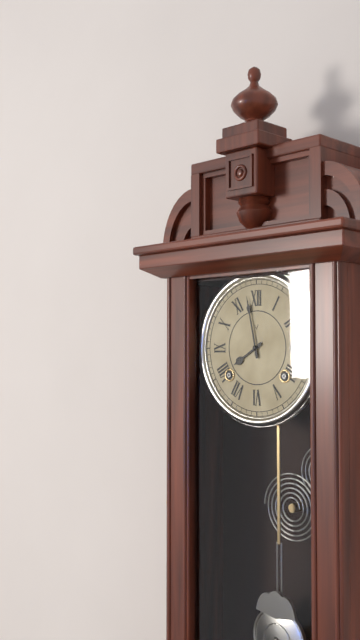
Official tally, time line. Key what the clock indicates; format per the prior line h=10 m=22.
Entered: h=7 m=58
